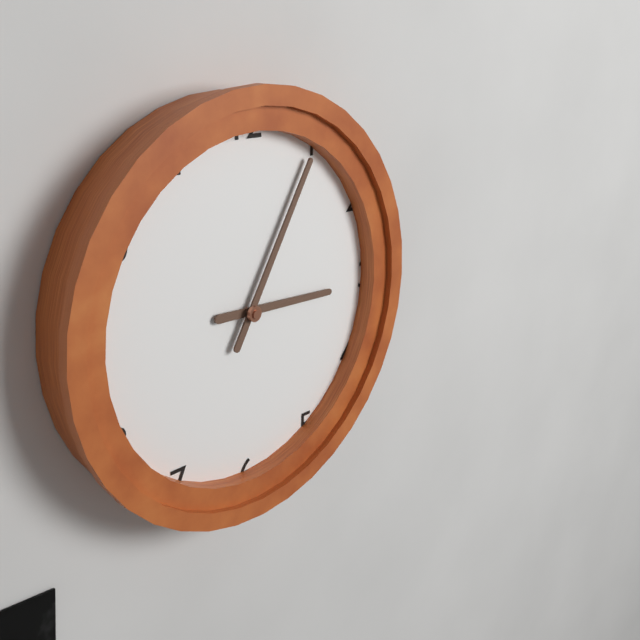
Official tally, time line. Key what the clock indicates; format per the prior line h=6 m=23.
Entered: h=3 m=5
